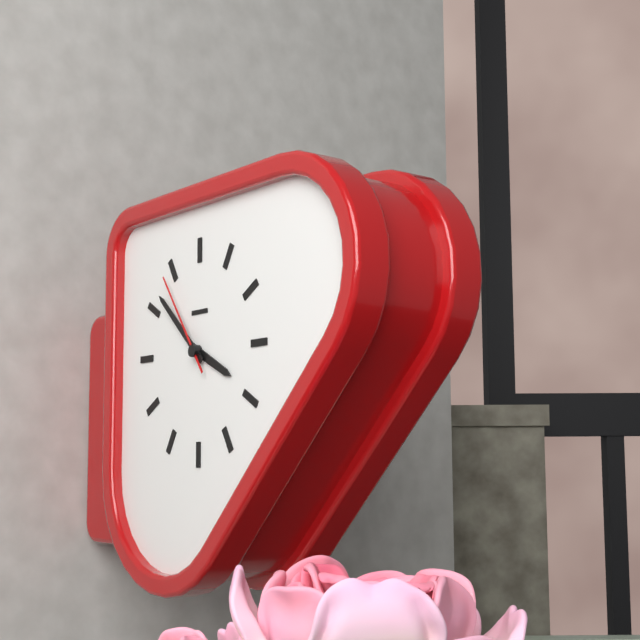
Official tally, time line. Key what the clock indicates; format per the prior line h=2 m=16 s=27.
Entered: h=3 m=52 s=54
